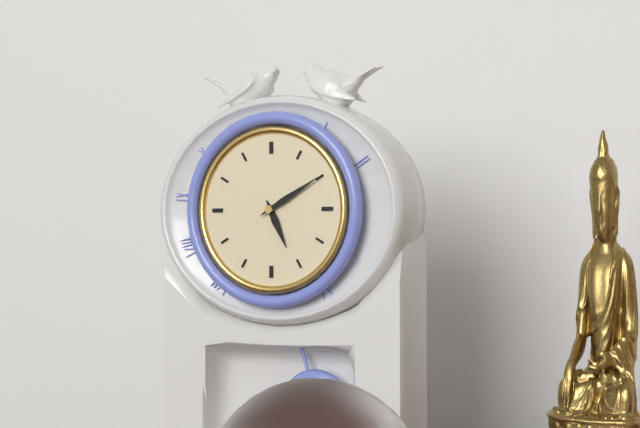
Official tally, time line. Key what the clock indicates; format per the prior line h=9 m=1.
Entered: h=5 m=10
